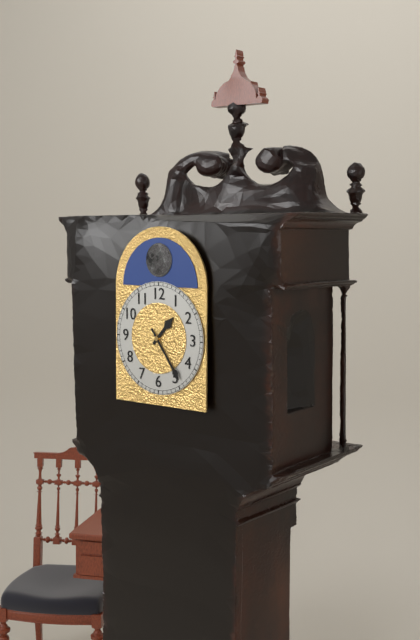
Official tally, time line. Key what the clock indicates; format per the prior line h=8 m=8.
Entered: h=1 m=24
